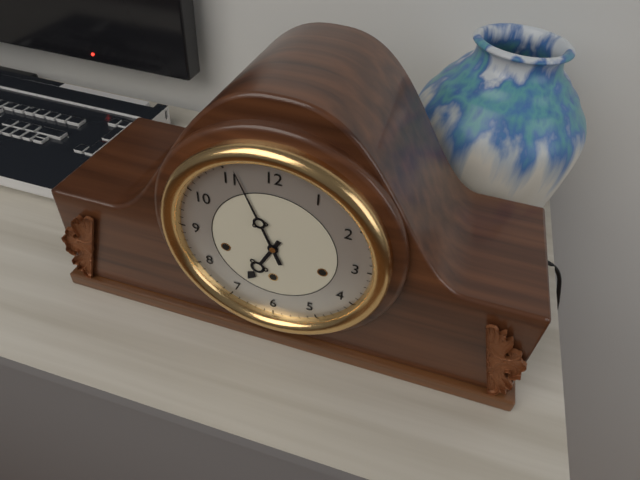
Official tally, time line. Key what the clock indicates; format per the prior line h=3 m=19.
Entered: h=6 m=56
